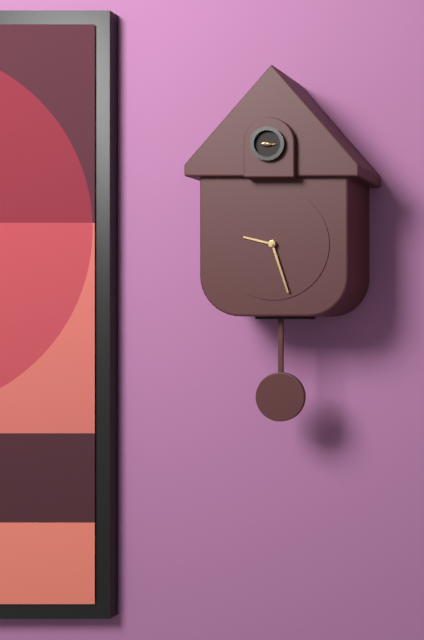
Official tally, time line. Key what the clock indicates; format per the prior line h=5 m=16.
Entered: h=9 m=27
